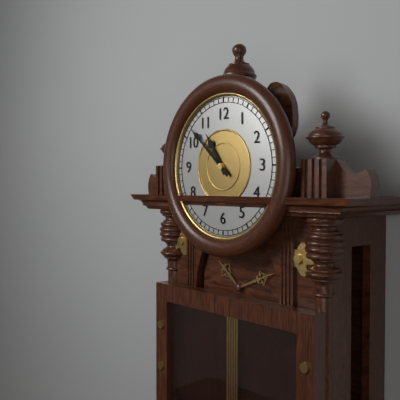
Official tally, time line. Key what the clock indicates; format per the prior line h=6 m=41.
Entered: h=10 m=52
